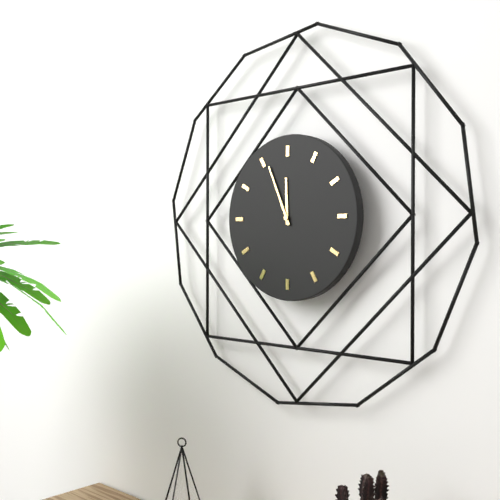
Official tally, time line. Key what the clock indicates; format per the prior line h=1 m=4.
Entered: h=11 m=56
